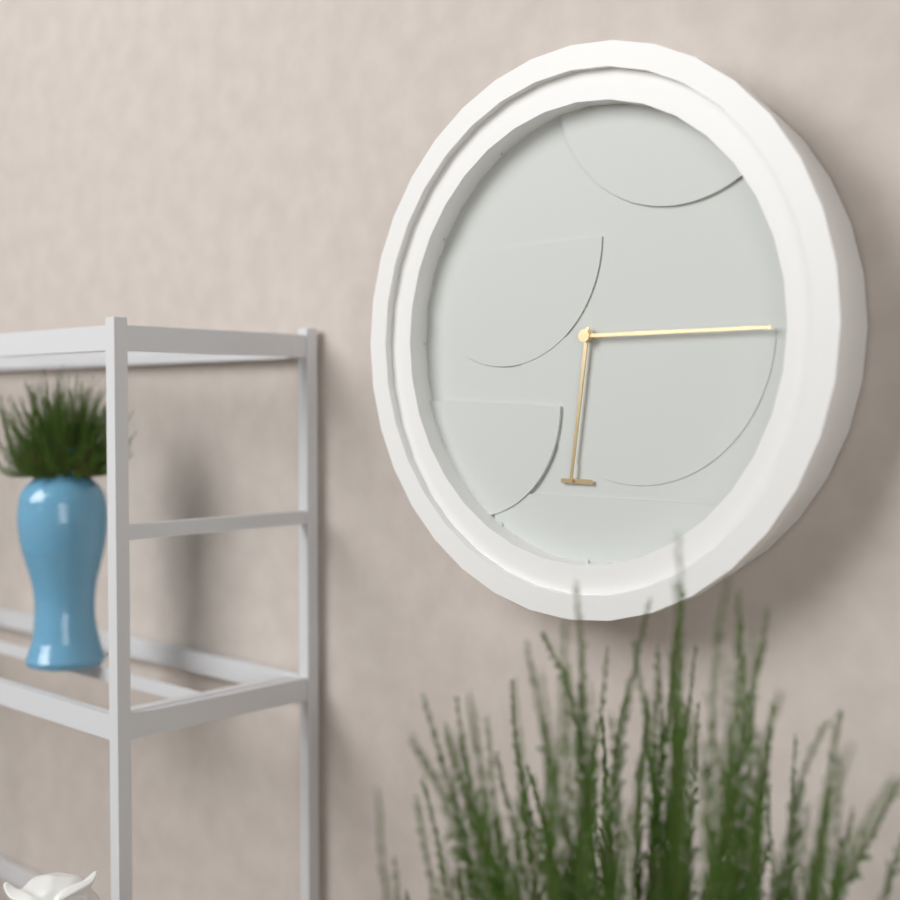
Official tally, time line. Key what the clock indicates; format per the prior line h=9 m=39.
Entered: h=6 m=15
